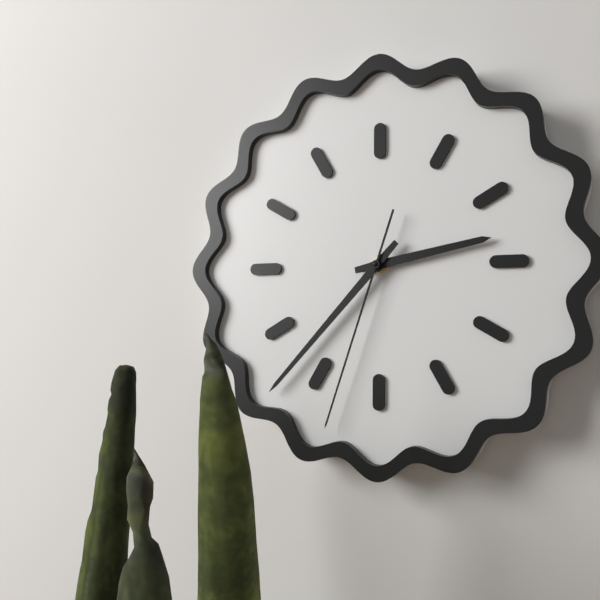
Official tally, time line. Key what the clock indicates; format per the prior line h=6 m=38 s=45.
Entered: h=2 m=37 s=33
